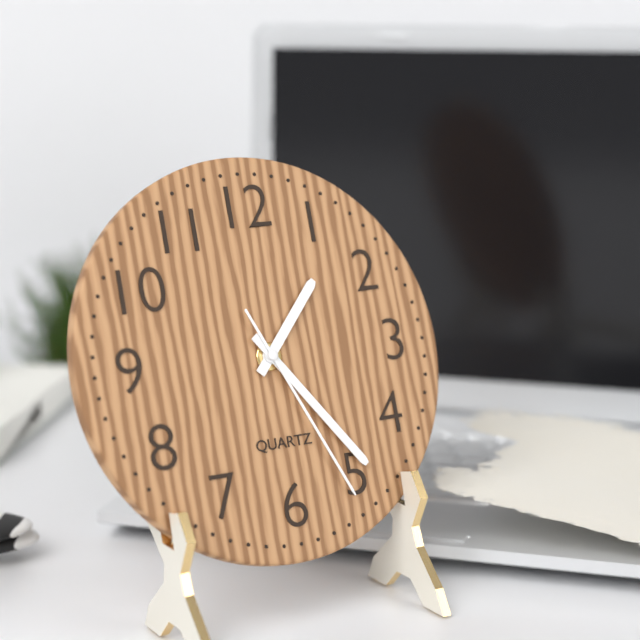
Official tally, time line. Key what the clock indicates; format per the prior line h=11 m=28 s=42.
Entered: h=1 m=24 s=26
